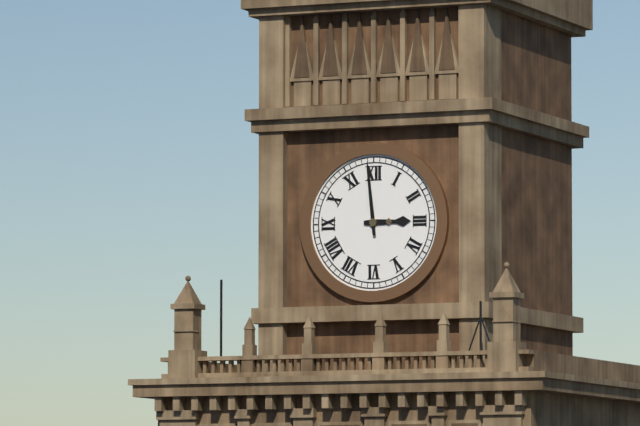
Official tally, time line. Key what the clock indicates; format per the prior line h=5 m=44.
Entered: h=2 m=59
